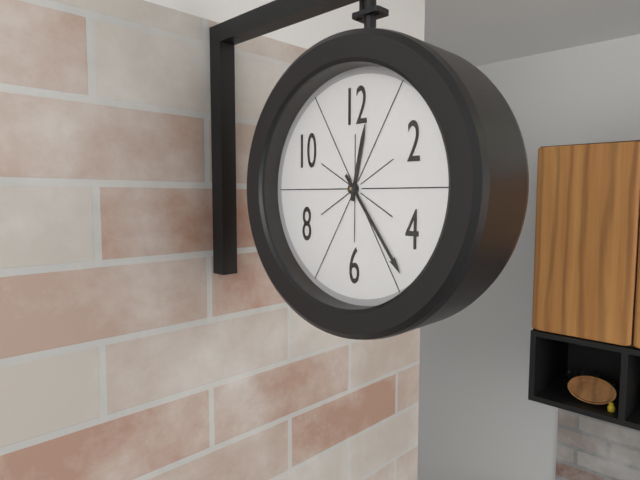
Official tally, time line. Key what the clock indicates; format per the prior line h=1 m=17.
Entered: h=12 m=24
